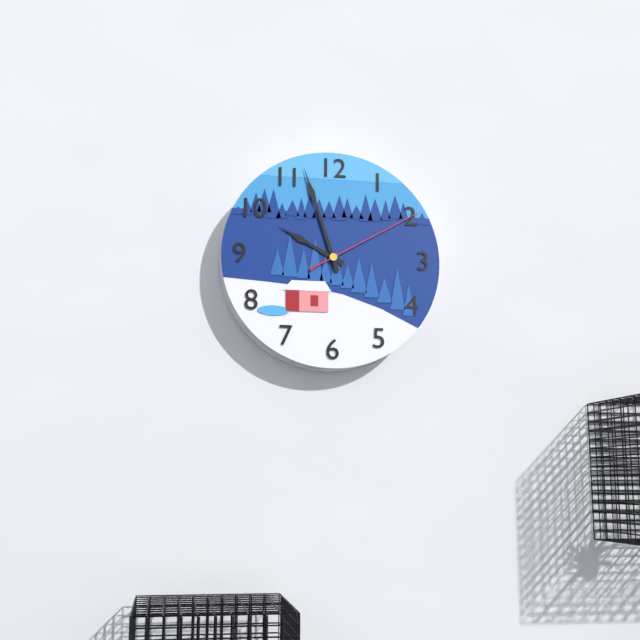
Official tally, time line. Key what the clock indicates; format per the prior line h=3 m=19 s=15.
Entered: h=9 m=57 s=10
